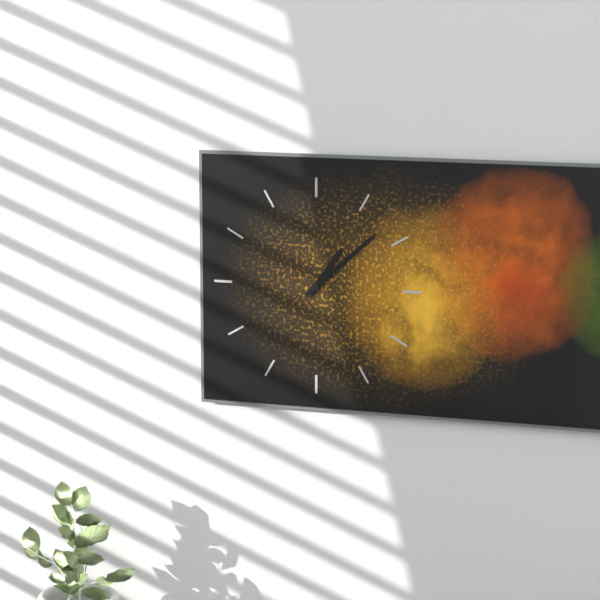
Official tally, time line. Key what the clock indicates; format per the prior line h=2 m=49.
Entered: h=1 m=8
